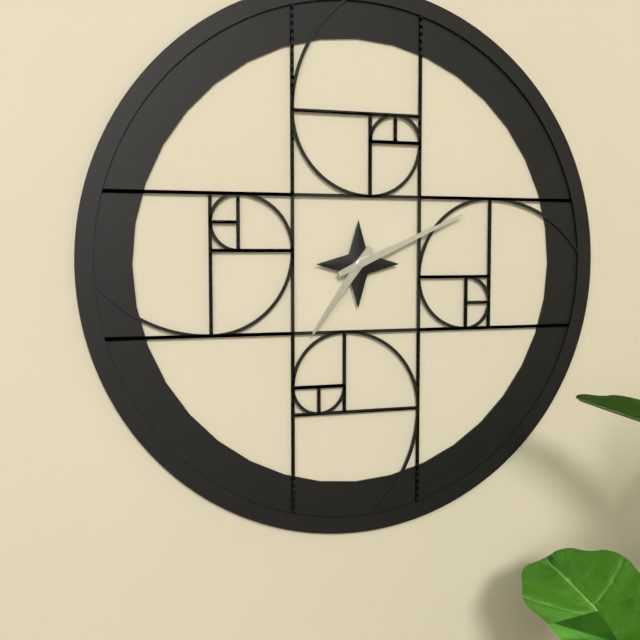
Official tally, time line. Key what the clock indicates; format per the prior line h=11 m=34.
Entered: h=7 m=11
